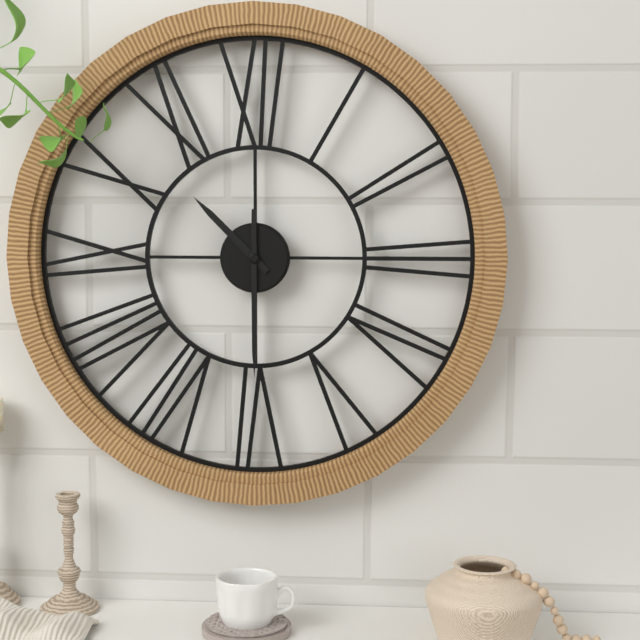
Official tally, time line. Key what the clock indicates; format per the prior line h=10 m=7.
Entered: h=10 m=30
